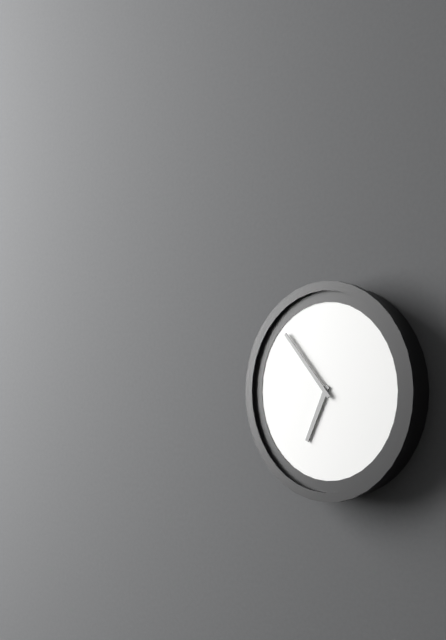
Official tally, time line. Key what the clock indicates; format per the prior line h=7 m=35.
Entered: h=6 m=53
